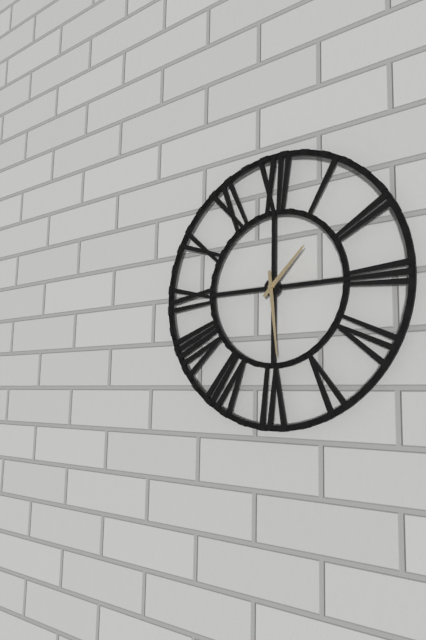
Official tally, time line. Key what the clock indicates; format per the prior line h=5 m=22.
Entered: h=1 m=29
